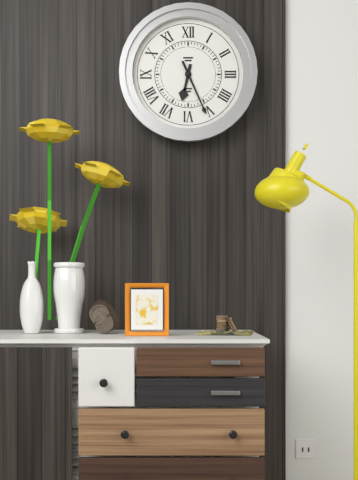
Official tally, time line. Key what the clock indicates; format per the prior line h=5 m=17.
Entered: h=6 m=26
